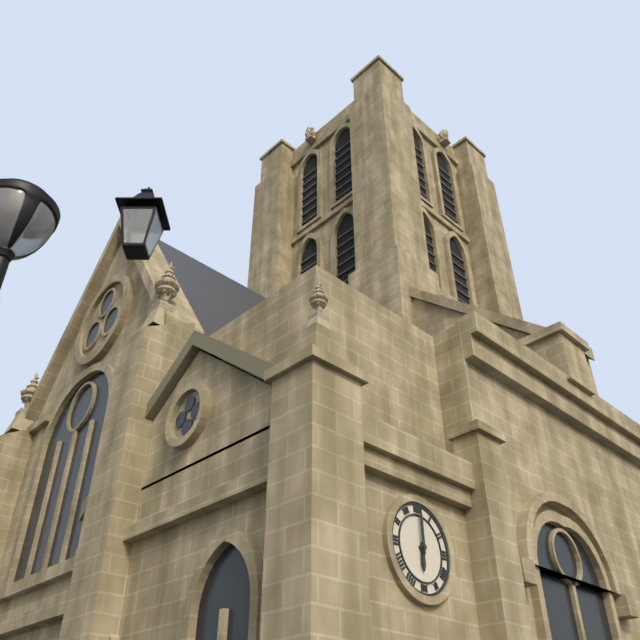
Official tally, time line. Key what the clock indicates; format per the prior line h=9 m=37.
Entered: h=6 m=0
